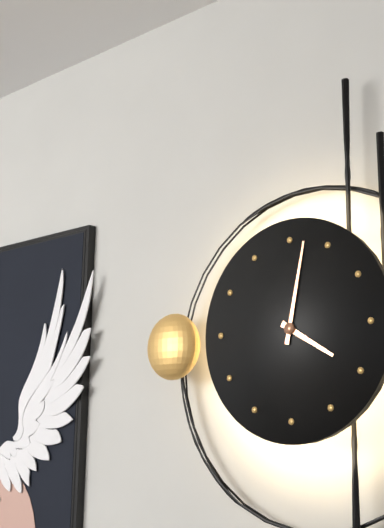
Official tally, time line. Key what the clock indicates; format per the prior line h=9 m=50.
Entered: h=4 m=2
